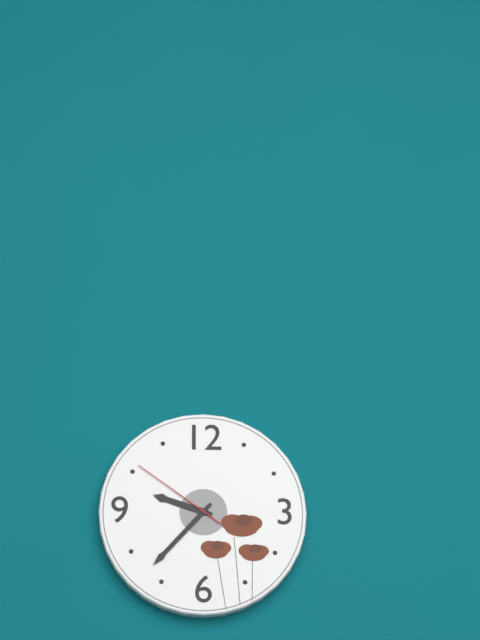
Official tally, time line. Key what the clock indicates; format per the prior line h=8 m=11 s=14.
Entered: h=9 m=37 s=51
